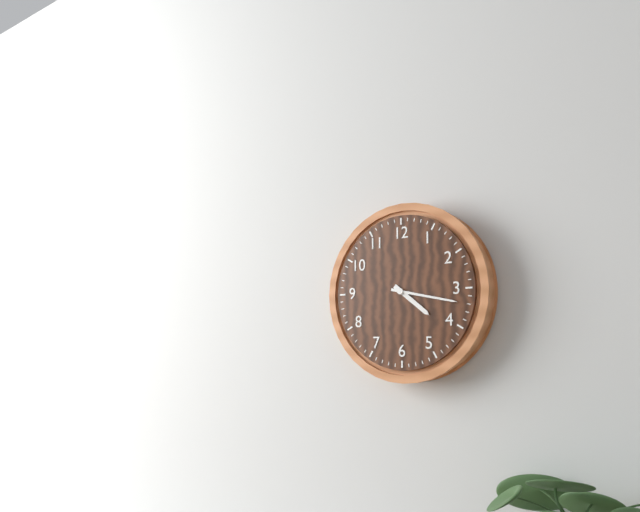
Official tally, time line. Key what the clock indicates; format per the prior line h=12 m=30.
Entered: h=4 m=17
